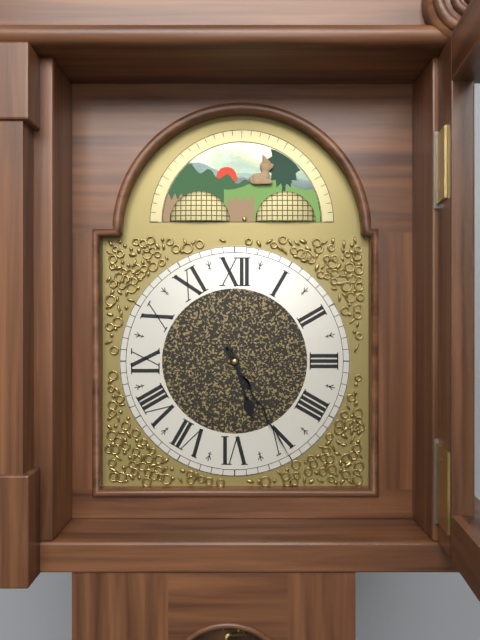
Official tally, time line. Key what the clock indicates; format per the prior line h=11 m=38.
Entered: h=5 m=25
